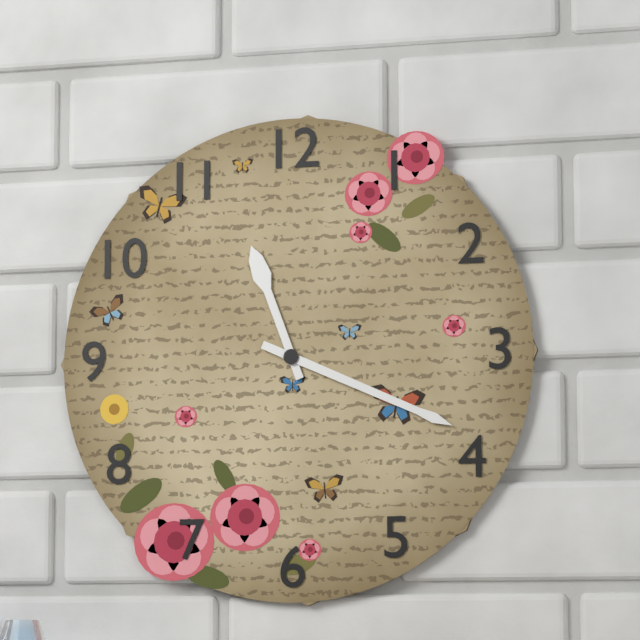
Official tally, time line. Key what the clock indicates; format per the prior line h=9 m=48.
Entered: h=11 m=19
